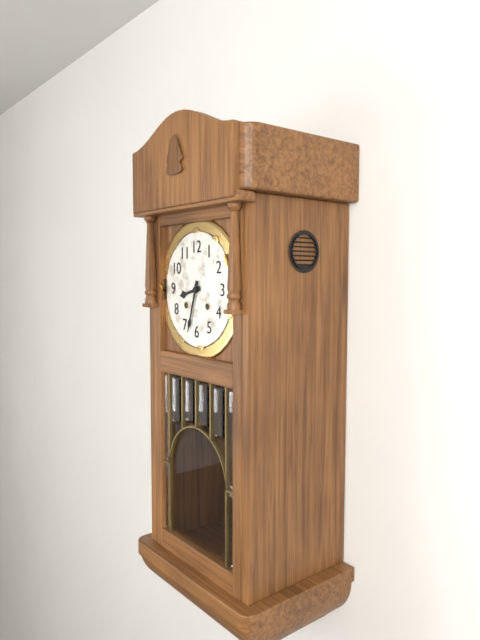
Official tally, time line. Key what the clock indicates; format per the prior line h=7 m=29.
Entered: h=8 m=33
